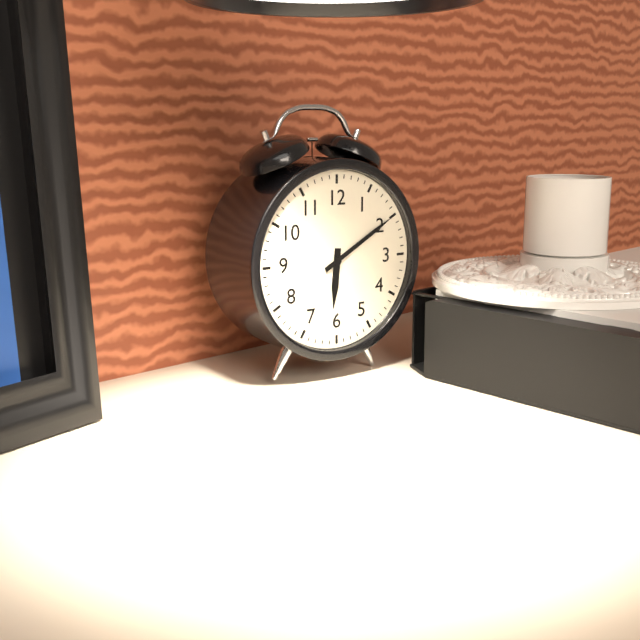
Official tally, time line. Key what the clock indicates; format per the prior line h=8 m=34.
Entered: h=6 m=10
